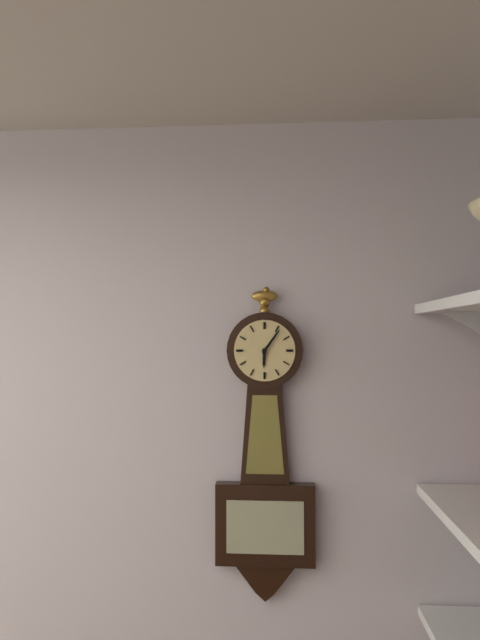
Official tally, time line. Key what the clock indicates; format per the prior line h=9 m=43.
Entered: h=6 m=6
